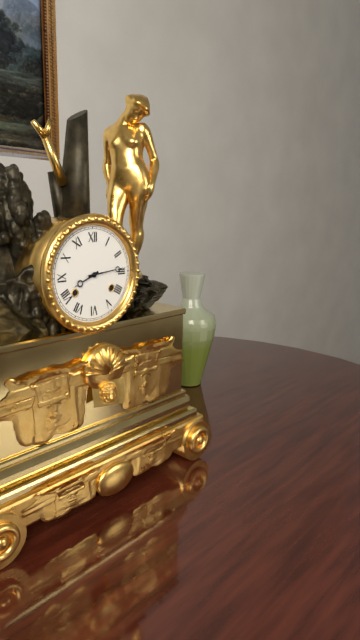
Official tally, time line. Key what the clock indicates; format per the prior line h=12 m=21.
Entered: h=8 m=14
